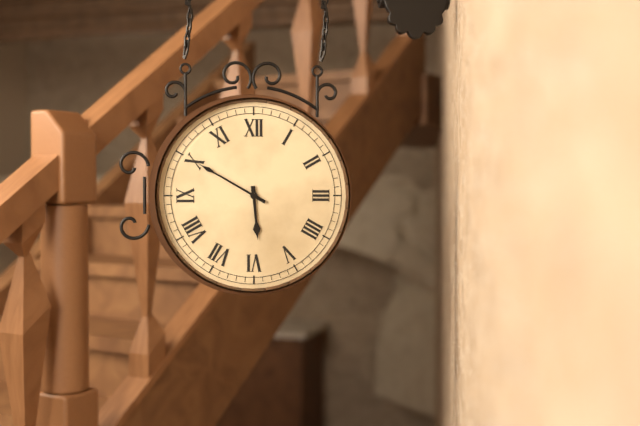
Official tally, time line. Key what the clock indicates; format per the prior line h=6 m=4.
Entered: h=5 m=50
